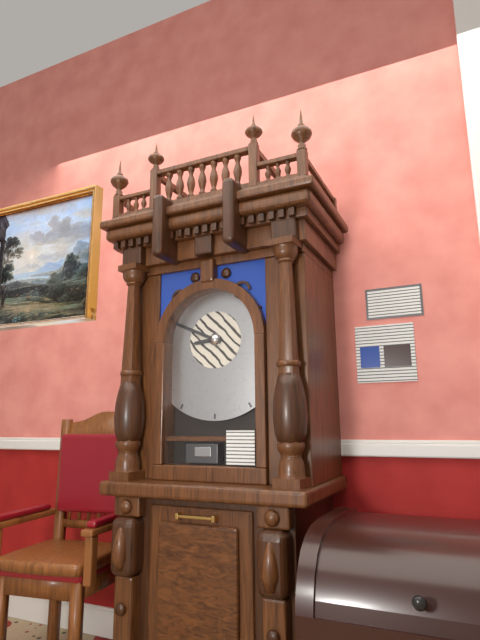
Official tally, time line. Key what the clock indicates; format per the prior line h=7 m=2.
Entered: h=8 m=49
